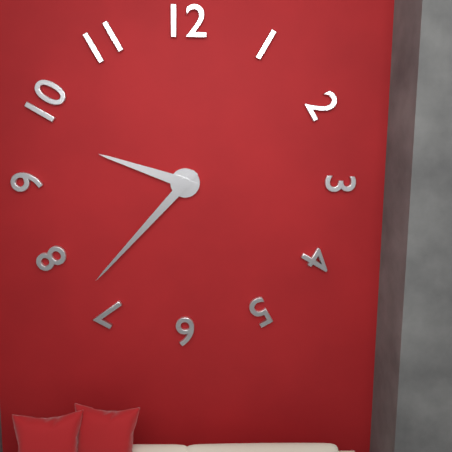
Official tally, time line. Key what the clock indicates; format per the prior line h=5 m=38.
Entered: h=9 m=37
